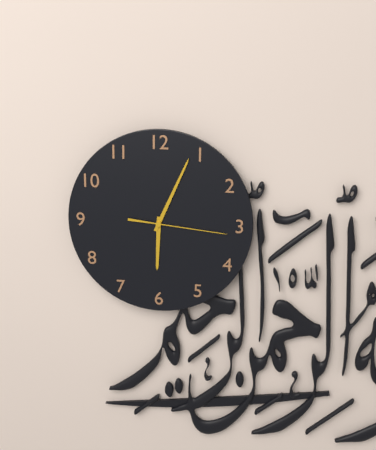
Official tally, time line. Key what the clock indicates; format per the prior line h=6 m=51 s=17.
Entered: h=6 m=4 s=16
